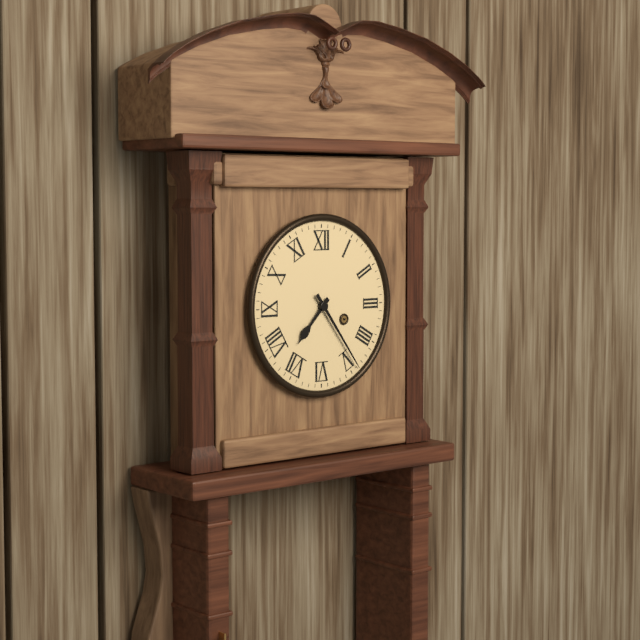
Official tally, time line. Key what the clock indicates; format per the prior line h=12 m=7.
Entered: h=7 m=24
